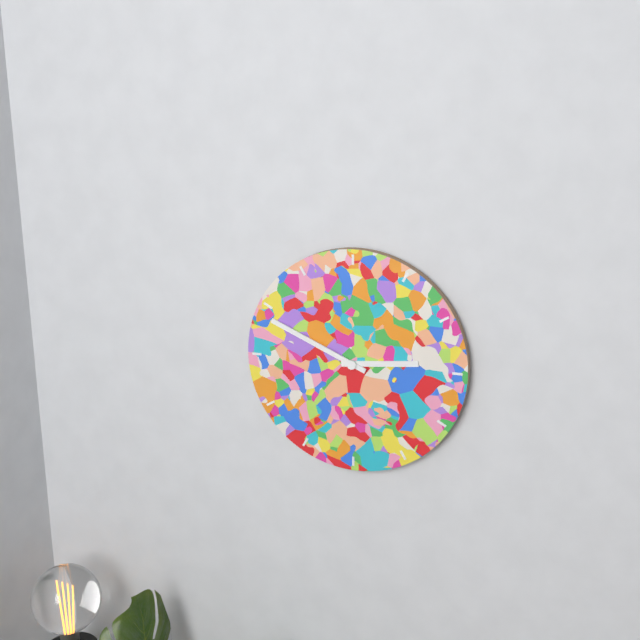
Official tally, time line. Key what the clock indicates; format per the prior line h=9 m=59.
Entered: h=2 m=49
